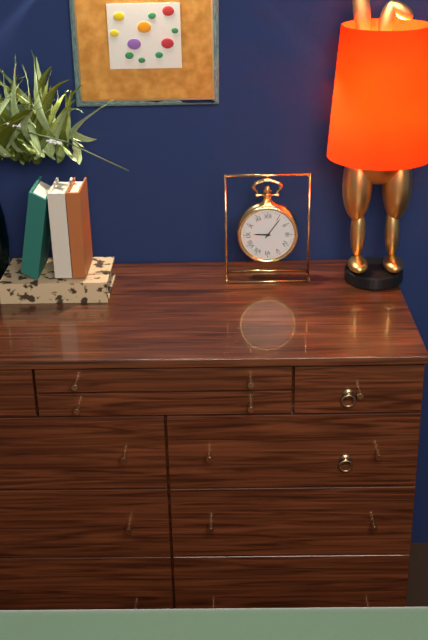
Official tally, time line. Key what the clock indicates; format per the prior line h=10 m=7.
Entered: h=9 m=6
